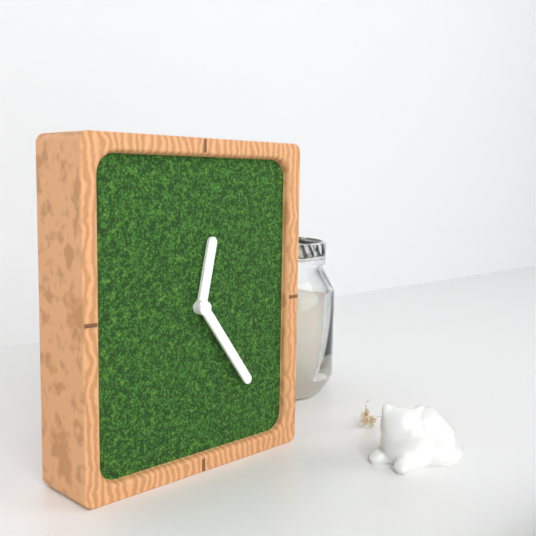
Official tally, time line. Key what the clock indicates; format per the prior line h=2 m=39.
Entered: h=12 m=24
